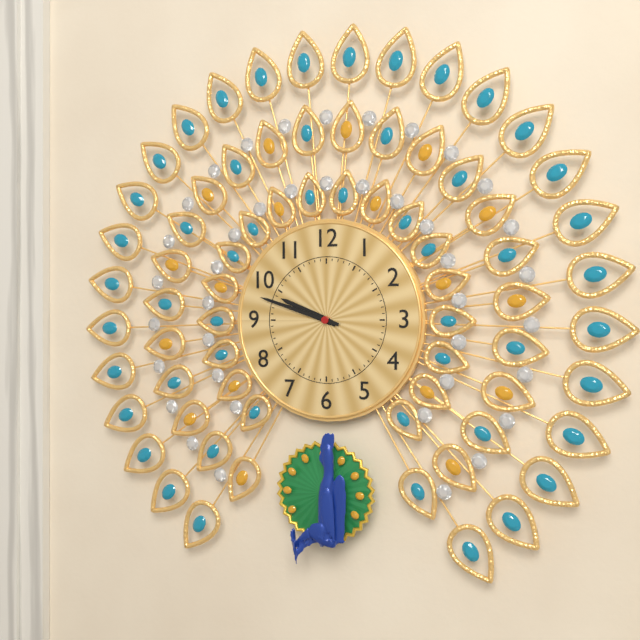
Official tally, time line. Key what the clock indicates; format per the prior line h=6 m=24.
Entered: h=9 m=48
